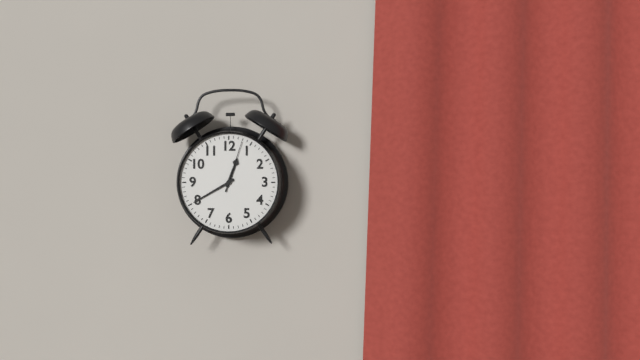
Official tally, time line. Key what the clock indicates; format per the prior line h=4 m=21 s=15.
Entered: h=12 m=40 s=3
